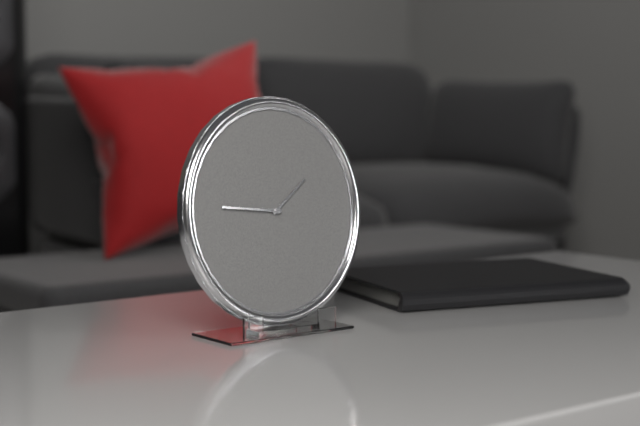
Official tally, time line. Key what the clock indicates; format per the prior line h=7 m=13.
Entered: h=1 m=46
